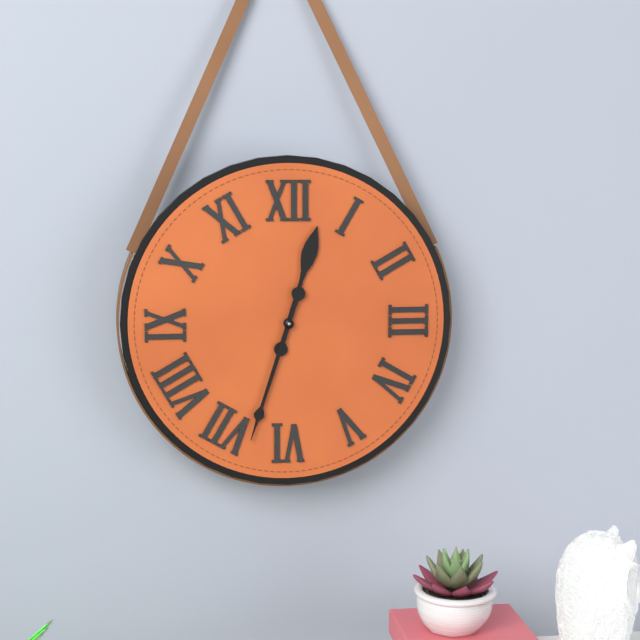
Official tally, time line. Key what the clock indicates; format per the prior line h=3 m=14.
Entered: h=12 m=33
